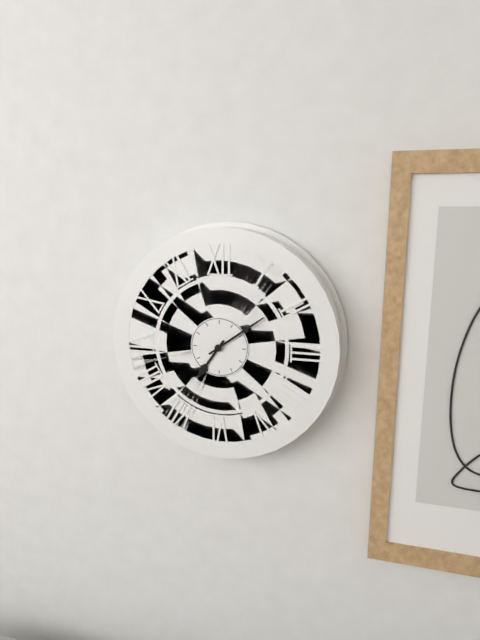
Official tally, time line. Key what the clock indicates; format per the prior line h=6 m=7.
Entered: h=7 m=9
